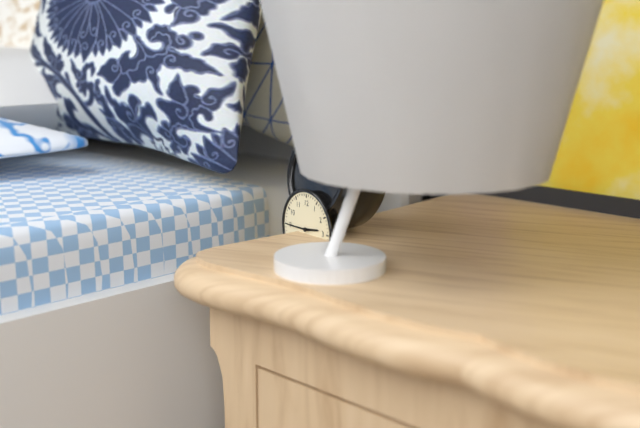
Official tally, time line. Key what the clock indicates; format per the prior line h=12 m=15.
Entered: h=2 m=45
